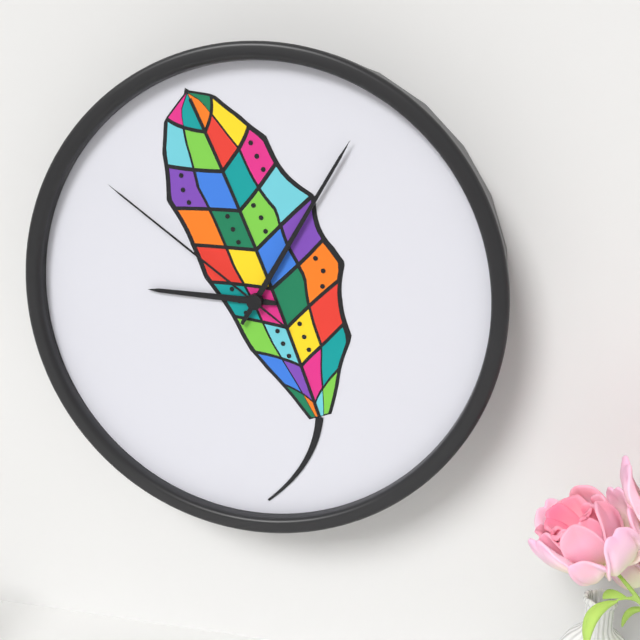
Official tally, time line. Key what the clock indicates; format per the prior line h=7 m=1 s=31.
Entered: h=9 m=5 s=51
